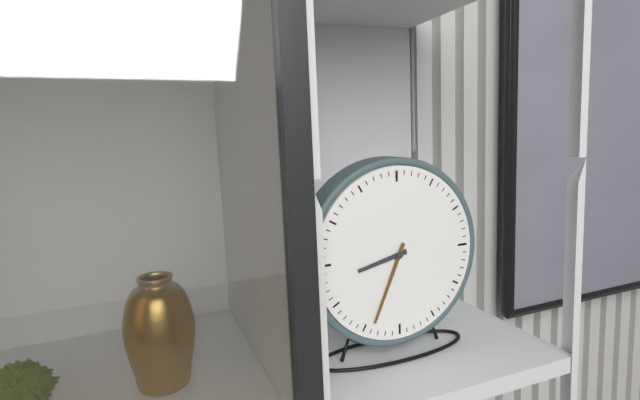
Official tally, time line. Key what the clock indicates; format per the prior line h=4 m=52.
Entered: h=8 m=34
